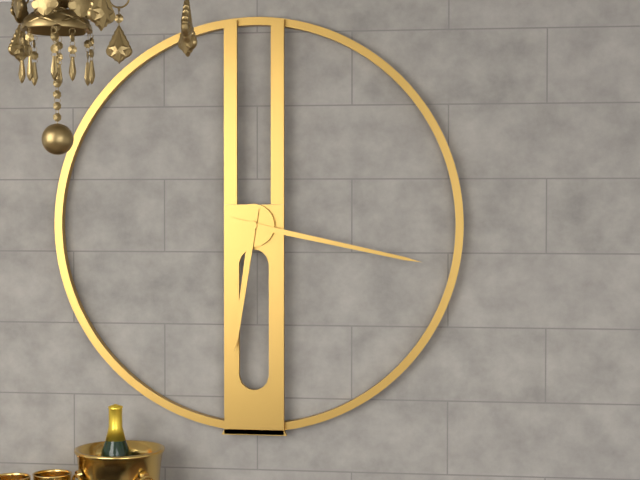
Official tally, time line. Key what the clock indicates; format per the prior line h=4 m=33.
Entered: h=6 m=17
